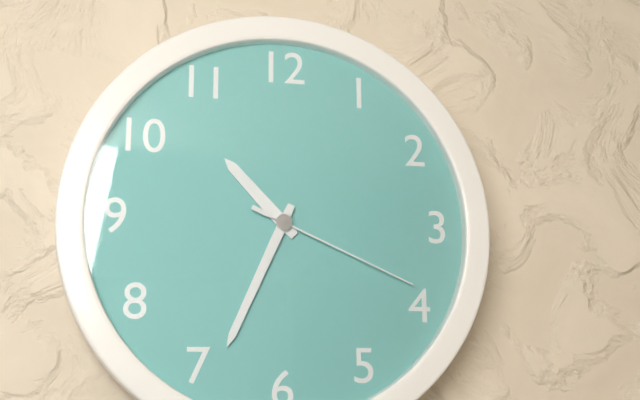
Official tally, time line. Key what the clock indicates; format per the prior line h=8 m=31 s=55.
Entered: h=10 m=34 s=19
